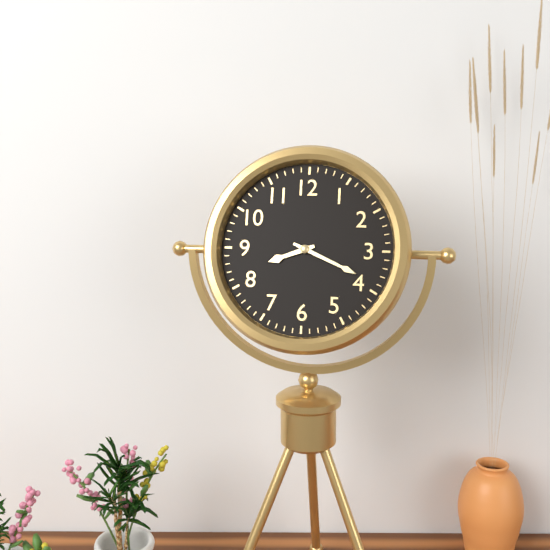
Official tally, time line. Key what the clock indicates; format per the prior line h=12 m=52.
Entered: h=8 m=19
